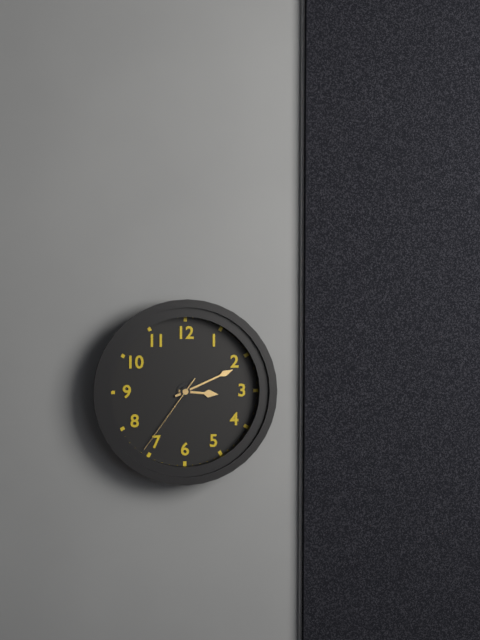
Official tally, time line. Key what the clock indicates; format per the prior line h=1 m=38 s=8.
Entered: h=3 m=11 s=36
